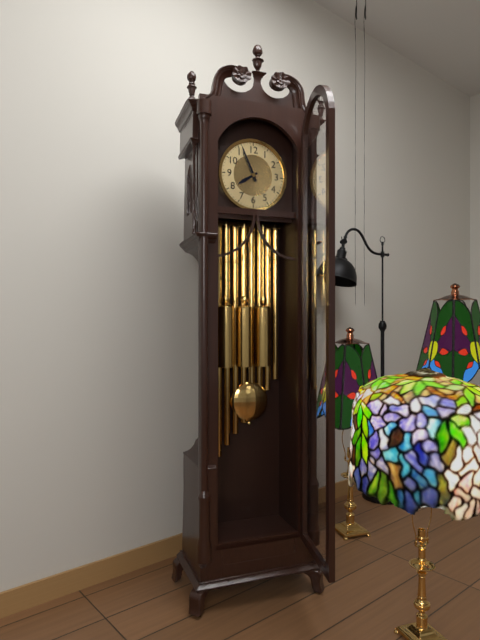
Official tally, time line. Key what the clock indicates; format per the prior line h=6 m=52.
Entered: h=7 m=56
